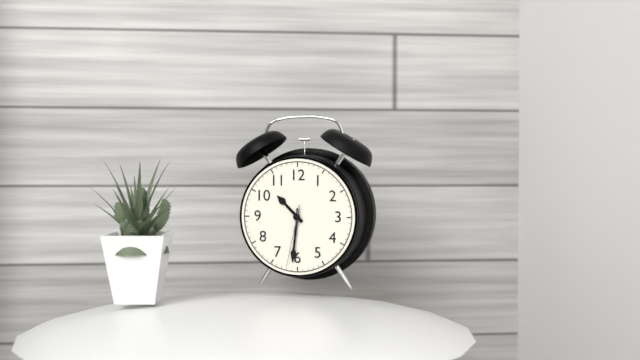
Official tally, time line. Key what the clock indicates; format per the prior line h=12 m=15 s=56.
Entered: h=10 m=31 s=32
